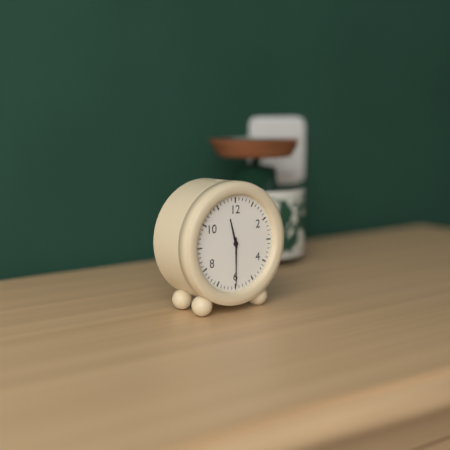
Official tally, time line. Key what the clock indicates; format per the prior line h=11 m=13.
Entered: h=11 m=30
